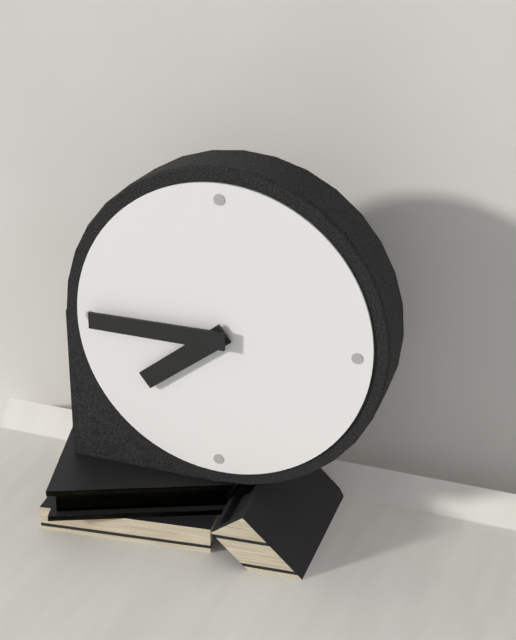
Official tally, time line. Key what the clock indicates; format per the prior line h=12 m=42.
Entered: h=7 m=45
